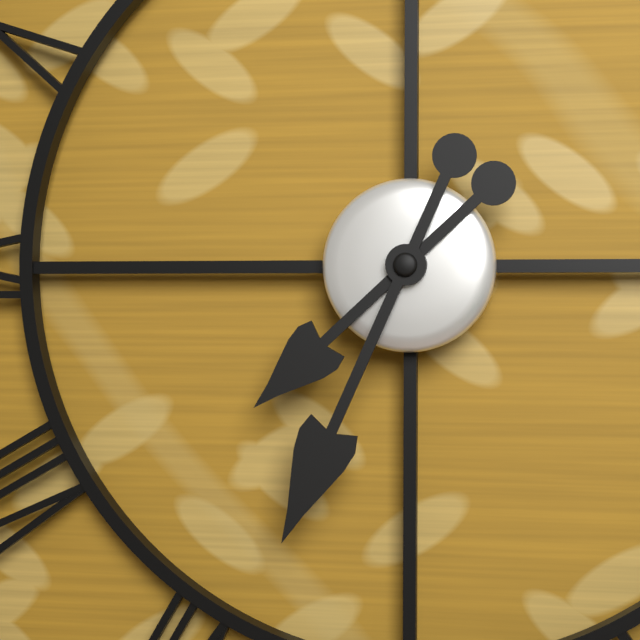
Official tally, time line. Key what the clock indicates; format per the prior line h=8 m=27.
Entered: h=7 m=34
